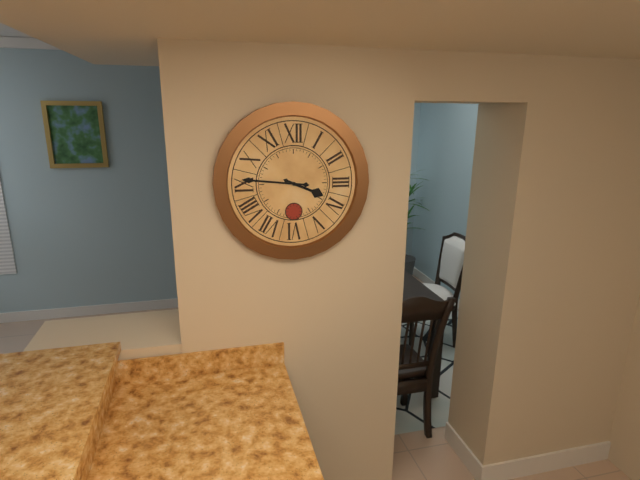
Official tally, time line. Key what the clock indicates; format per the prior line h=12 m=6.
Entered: h=3 m=46
